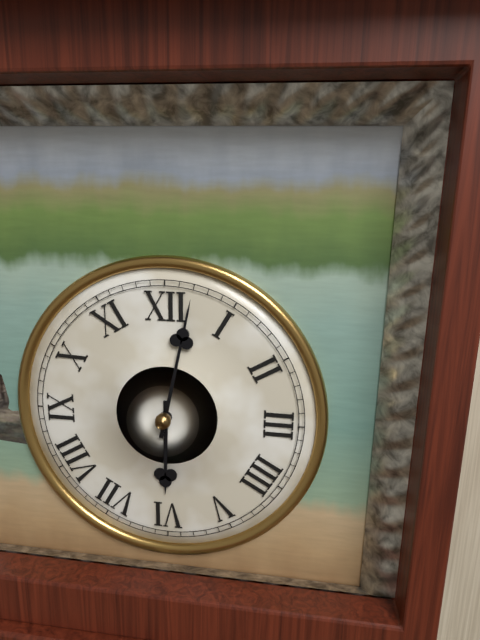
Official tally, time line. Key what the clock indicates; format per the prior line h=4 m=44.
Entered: h=6 m=2
